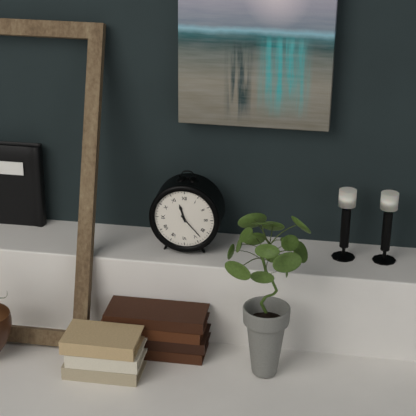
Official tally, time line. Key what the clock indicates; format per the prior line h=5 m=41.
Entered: h=11 m=23
